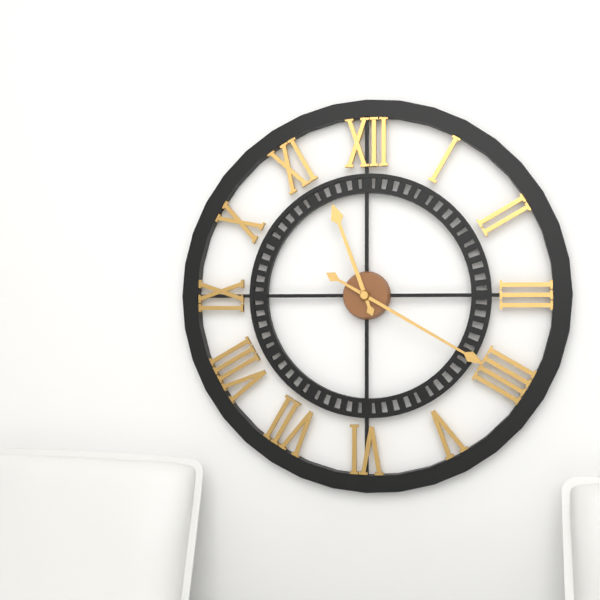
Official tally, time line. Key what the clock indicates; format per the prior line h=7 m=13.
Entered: h=11 m=20
